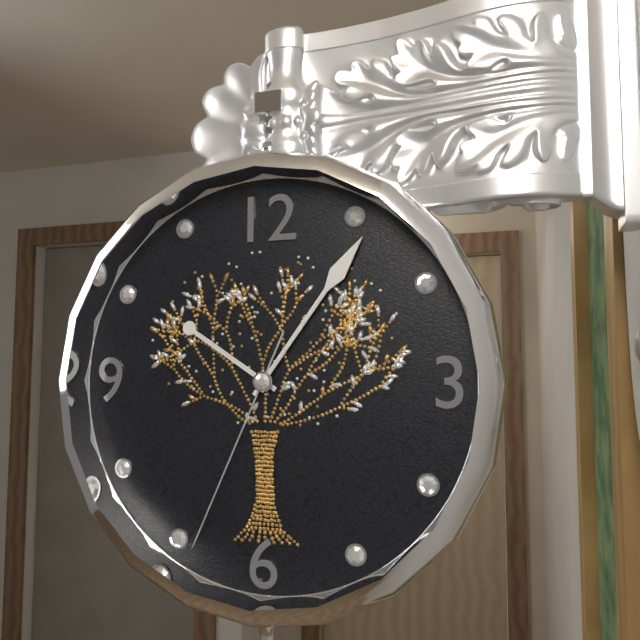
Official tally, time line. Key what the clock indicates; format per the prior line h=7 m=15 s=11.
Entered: h=10 m=6 s=34
